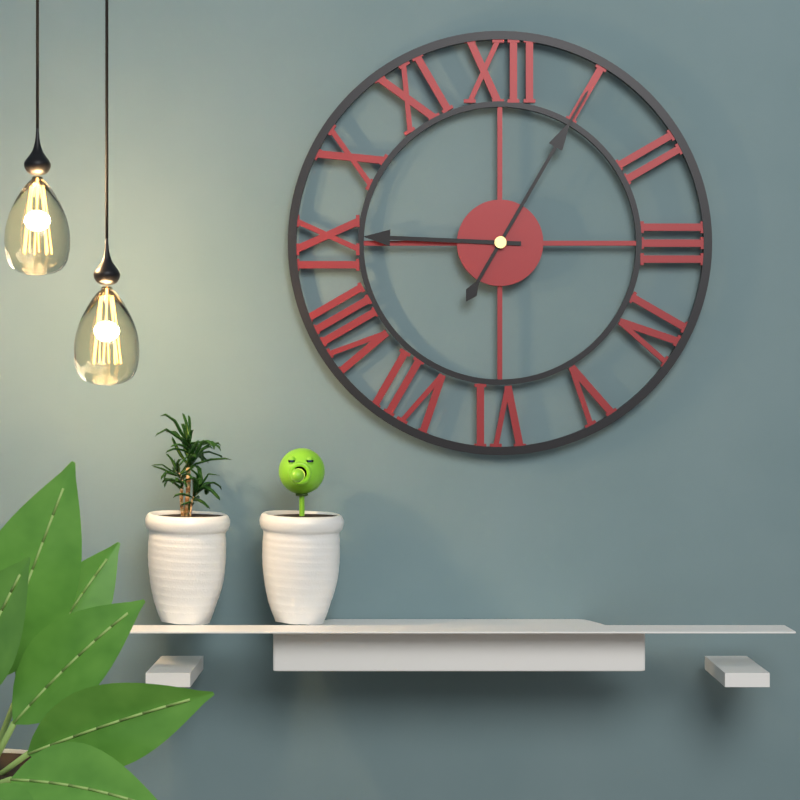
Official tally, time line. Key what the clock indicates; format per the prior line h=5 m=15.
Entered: h=9 m=5
